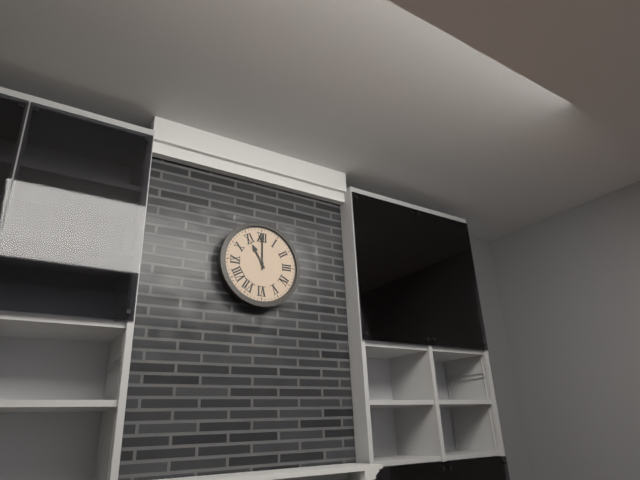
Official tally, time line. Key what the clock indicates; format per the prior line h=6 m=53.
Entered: h=11 m=0
